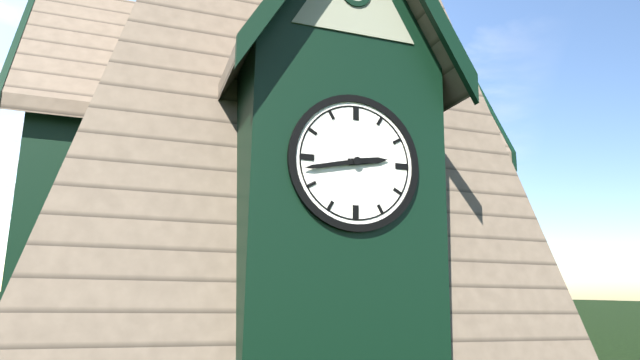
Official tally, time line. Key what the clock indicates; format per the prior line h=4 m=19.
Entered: h=2 m=43
